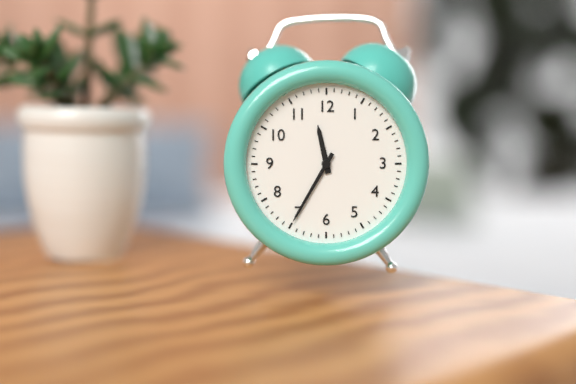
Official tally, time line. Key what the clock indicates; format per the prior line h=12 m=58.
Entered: h=11 m=35
